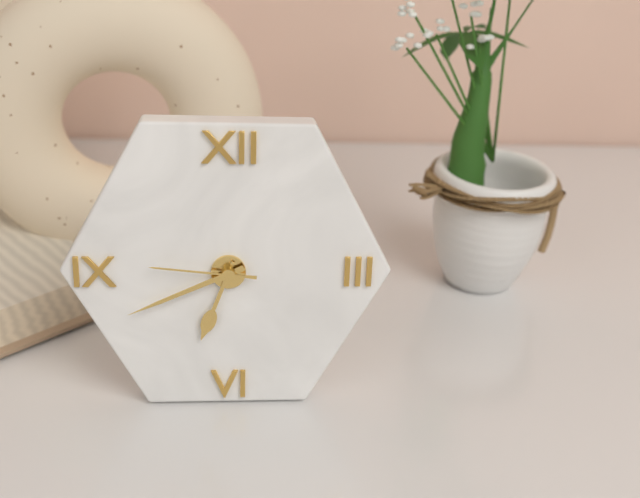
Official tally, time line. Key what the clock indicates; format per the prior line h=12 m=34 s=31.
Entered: h=6 m=41 s=46
